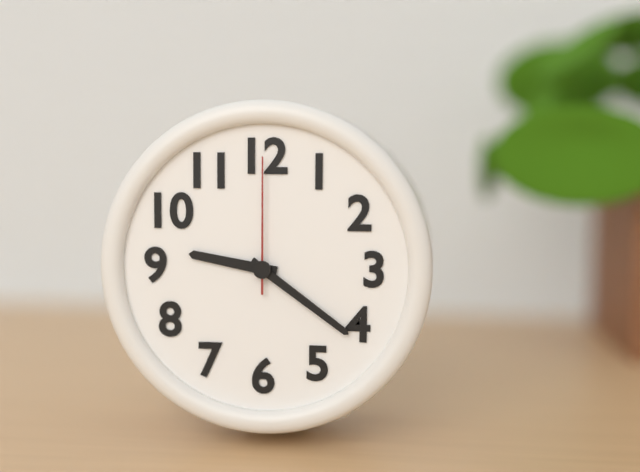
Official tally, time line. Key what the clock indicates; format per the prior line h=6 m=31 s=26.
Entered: h=9 m=21 s=0
